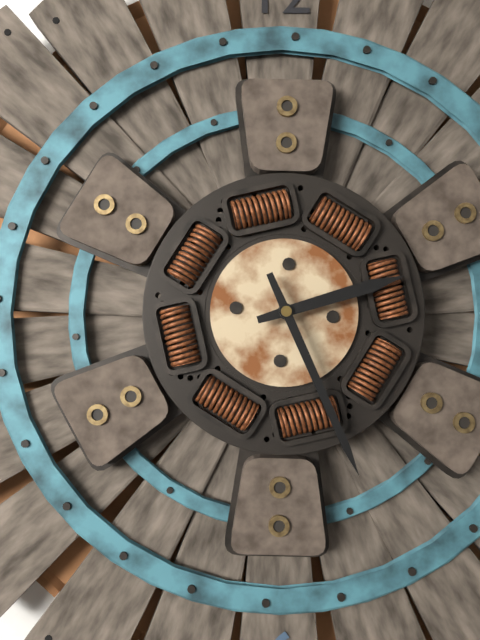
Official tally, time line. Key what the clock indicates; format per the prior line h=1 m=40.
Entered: h=2 m=26
